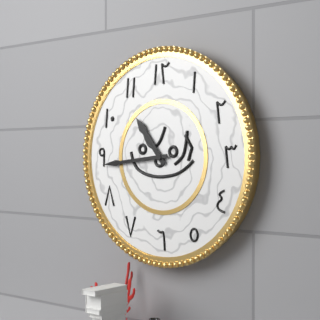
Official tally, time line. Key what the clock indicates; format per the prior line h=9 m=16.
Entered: h=10 m=44
